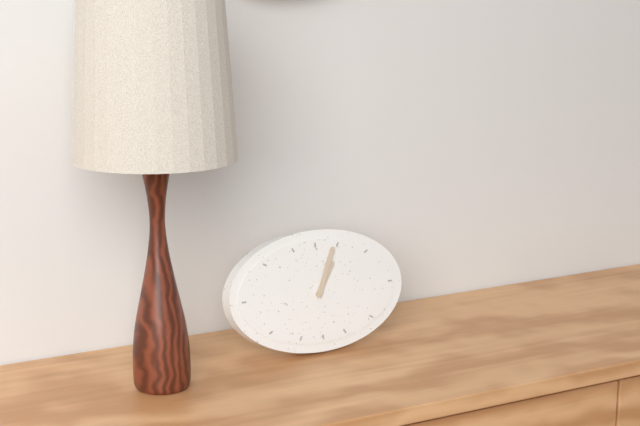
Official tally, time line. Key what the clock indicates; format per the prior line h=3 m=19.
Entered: h=1 m=4
